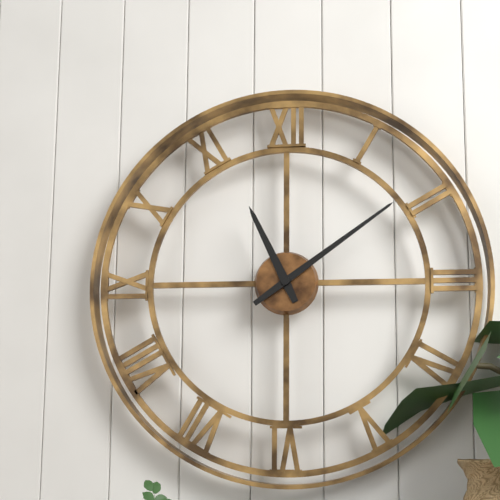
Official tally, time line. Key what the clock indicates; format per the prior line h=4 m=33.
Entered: h=11 m=9
